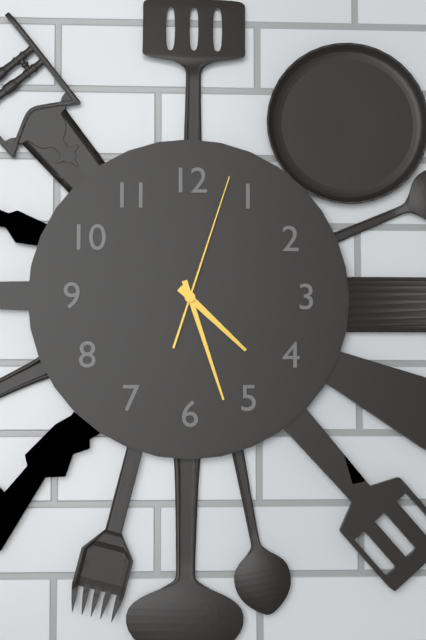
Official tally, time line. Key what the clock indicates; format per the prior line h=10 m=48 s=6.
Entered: h=4 m=27 s=3
